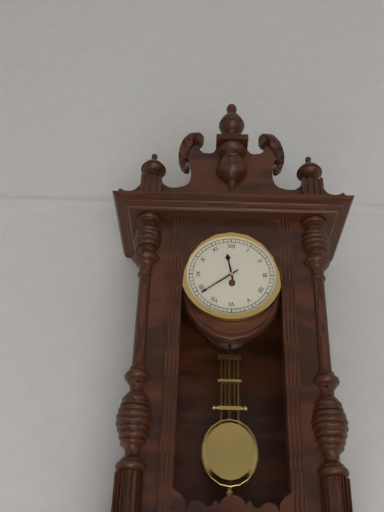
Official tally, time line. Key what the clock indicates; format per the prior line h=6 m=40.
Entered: h=11 m=39
